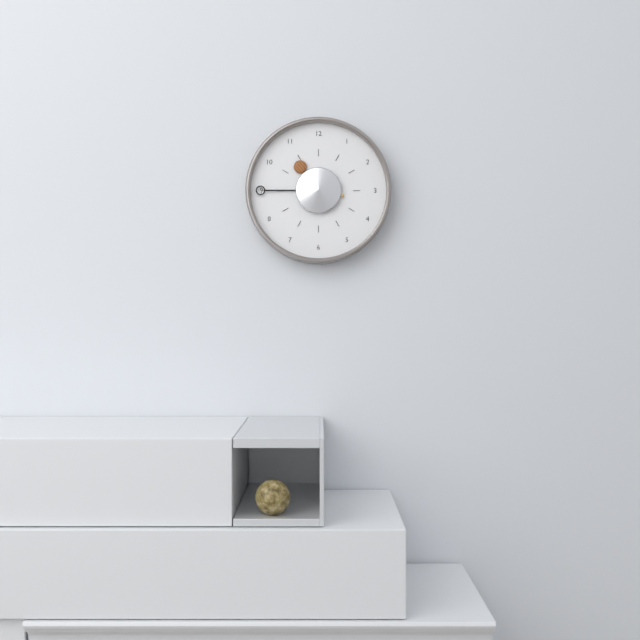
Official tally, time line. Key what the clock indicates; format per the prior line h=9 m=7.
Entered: h=10 m=45
